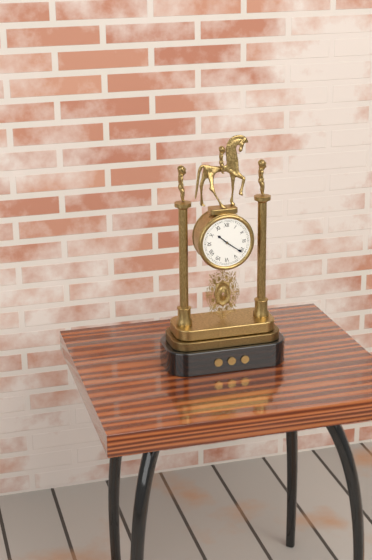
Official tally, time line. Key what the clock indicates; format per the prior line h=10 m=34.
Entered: h=10 m=21
